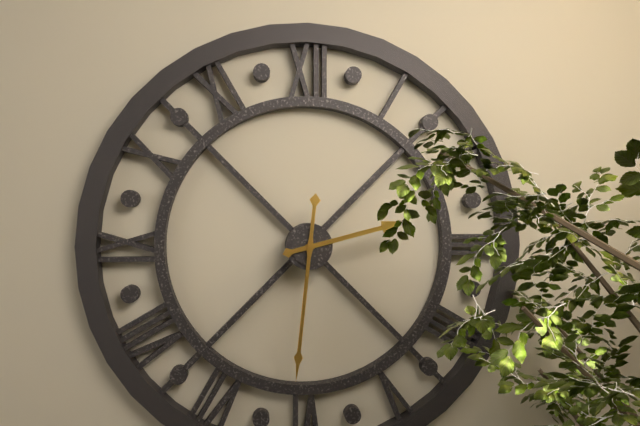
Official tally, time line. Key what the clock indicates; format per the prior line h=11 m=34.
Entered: h=2 m=31
